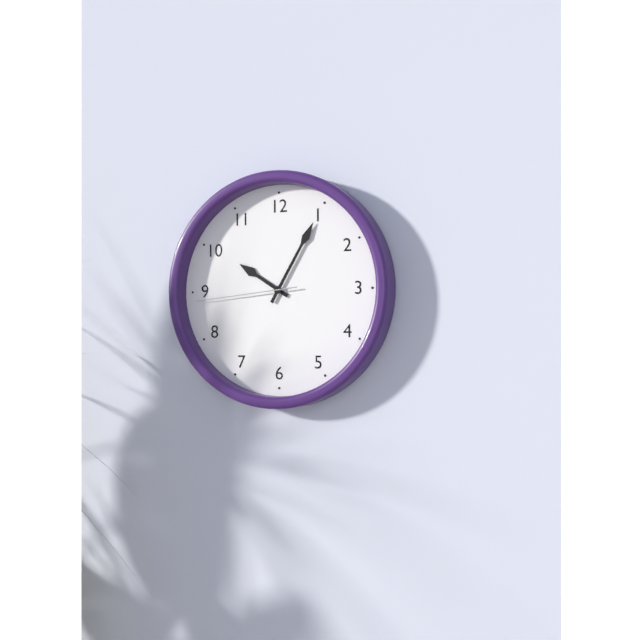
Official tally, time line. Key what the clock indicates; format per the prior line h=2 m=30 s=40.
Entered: h=10 m=5 s=44
